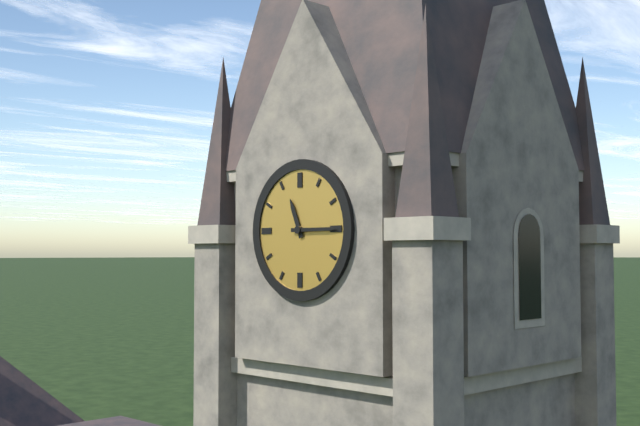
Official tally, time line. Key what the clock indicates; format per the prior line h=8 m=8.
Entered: h=11 m=15
